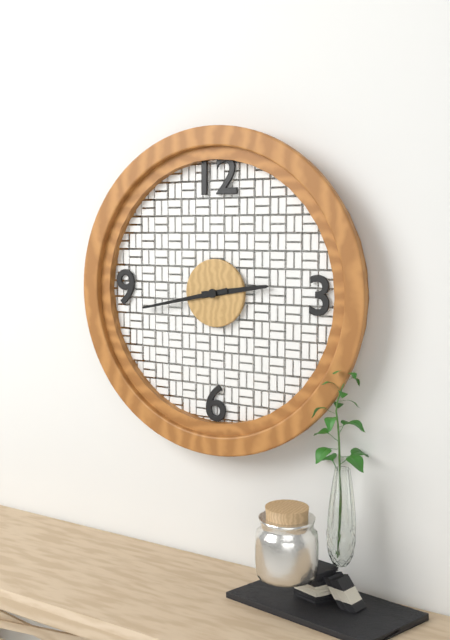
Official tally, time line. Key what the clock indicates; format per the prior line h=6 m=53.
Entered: h=2 m=43
